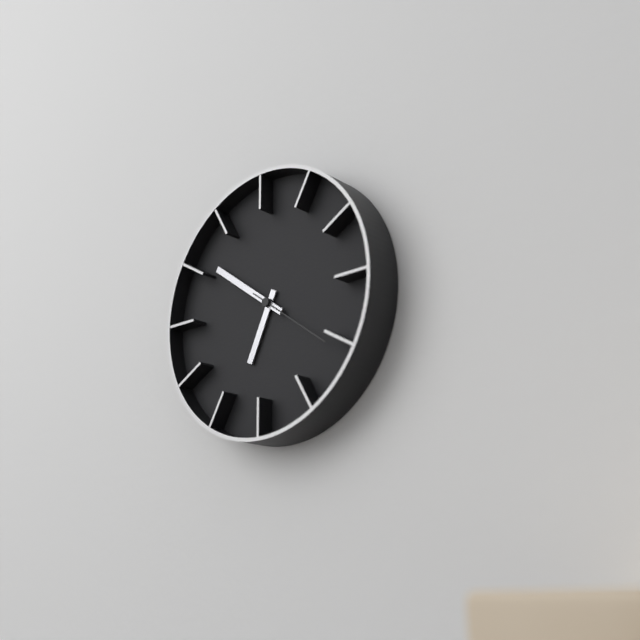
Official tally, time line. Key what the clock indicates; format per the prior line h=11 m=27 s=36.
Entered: h=6 m=51 s=21
